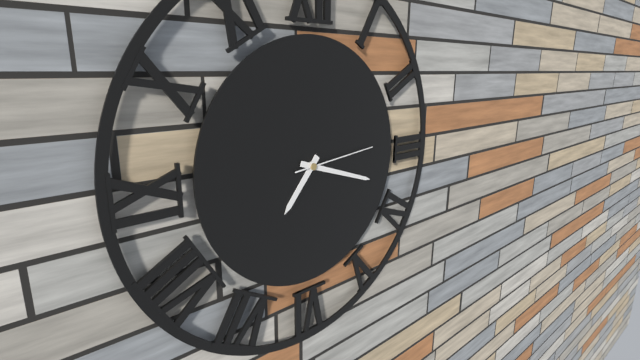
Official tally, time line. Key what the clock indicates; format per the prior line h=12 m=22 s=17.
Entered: h=7 m=18 s=14
